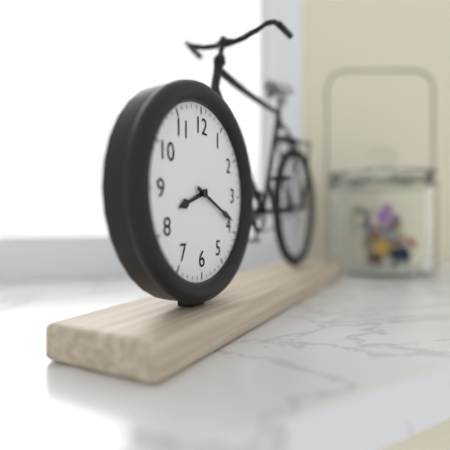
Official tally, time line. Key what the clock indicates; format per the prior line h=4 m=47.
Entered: h=8 m=19
